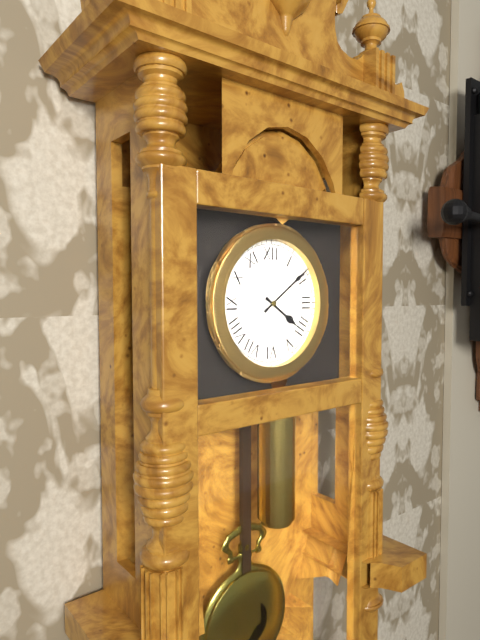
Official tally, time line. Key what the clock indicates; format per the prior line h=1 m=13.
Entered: h=4 m=9
